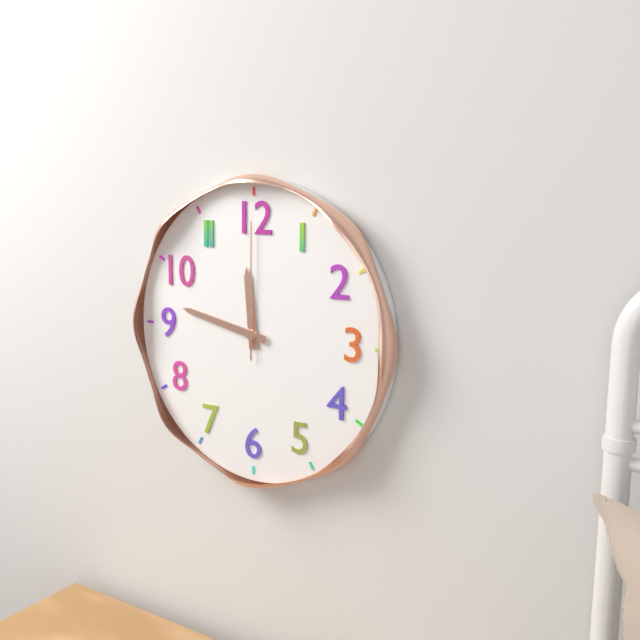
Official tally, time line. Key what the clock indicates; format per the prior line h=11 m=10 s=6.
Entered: h=11 m=47 s=0
